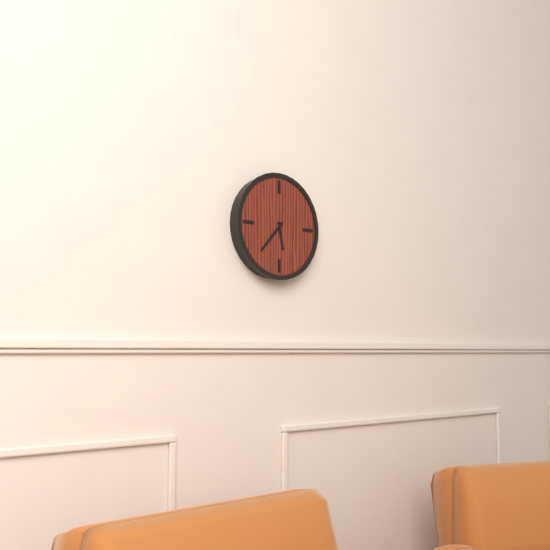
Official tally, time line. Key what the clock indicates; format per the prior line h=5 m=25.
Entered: h=5 m=37
